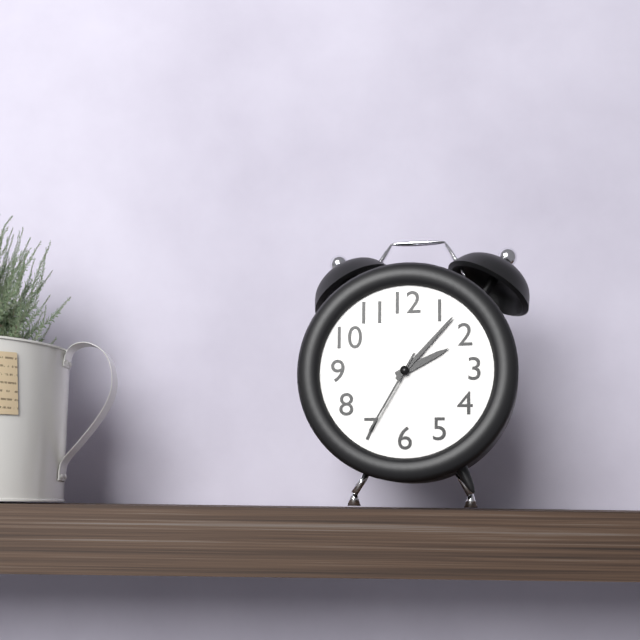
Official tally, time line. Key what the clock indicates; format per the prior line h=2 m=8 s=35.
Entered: h=2 m=7 s=35
